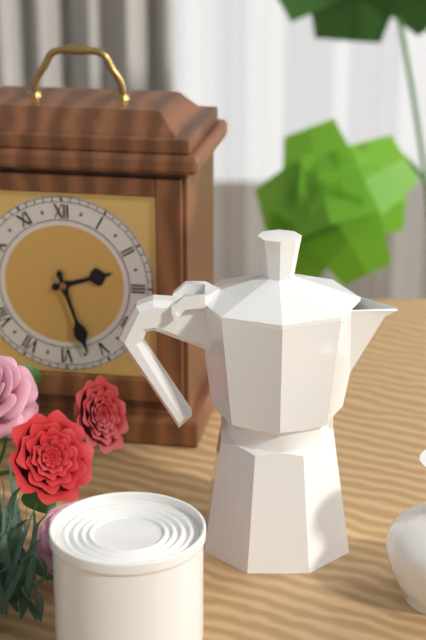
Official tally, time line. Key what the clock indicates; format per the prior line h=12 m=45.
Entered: h=2 m=27
